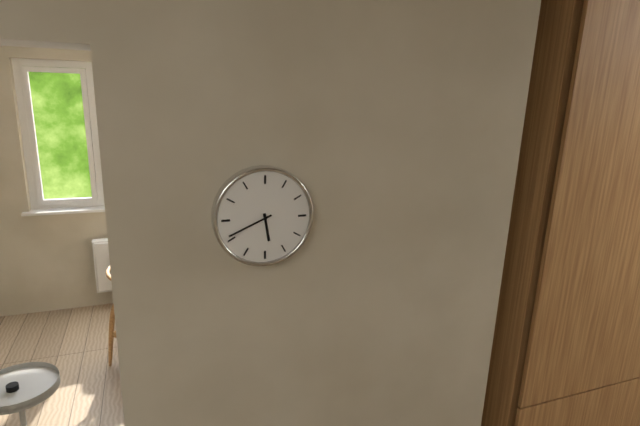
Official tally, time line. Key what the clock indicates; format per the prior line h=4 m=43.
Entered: h=5 m=41
